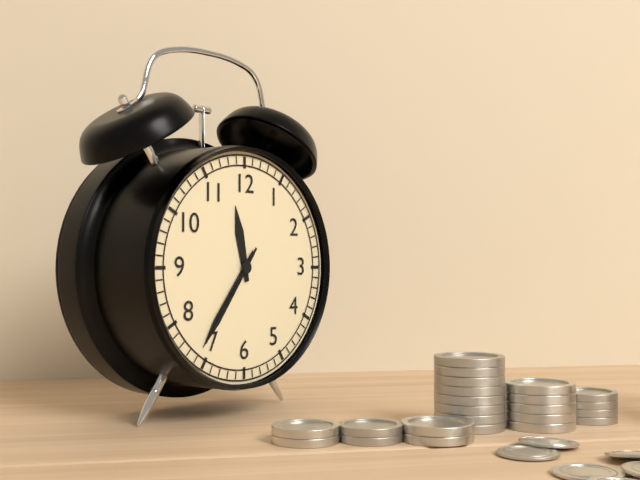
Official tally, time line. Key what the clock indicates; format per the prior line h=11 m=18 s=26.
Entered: h=11 m=36 s=36
